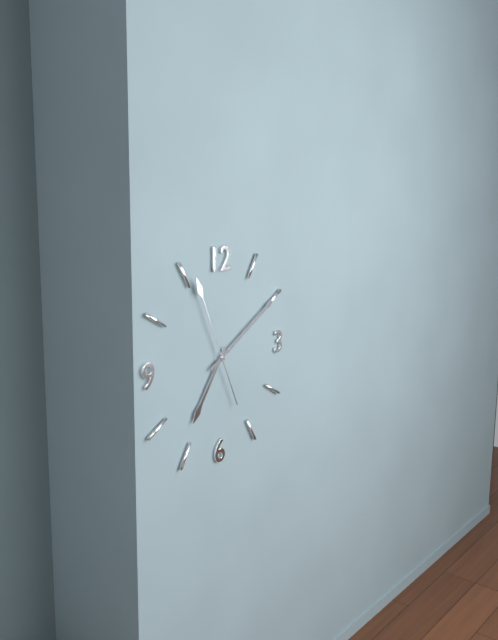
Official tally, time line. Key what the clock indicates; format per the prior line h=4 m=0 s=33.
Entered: h=7 m=10 s=56
